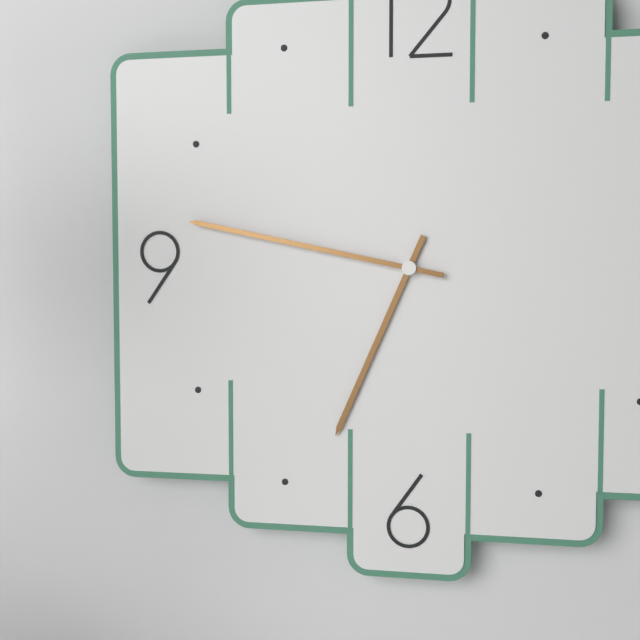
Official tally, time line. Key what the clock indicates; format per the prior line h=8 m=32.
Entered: h=6 m=47
